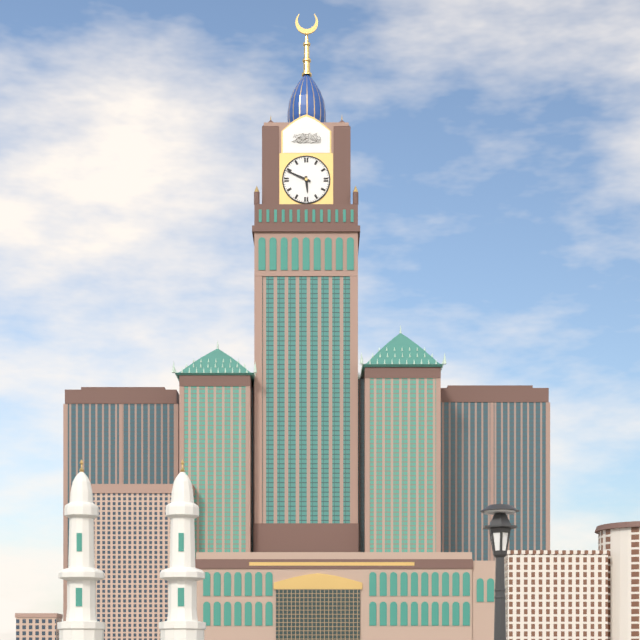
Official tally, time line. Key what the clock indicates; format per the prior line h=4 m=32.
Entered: h=5 m=49
